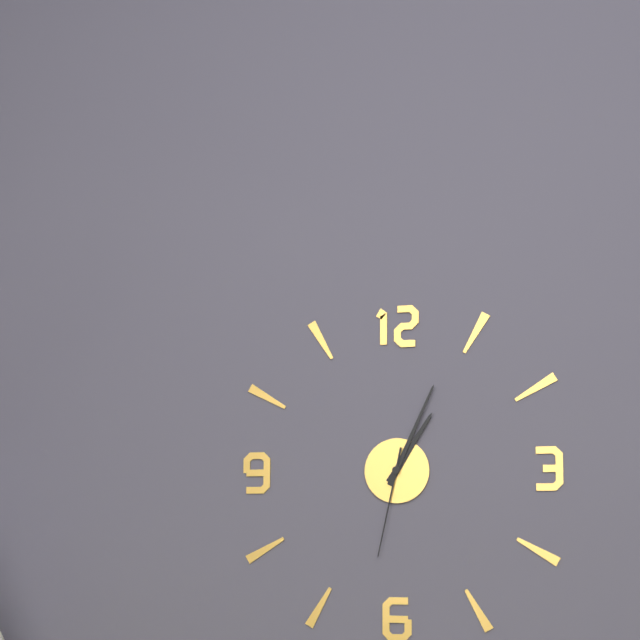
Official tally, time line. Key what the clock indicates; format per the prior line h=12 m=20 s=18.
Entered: h=1 m=4 s=32
